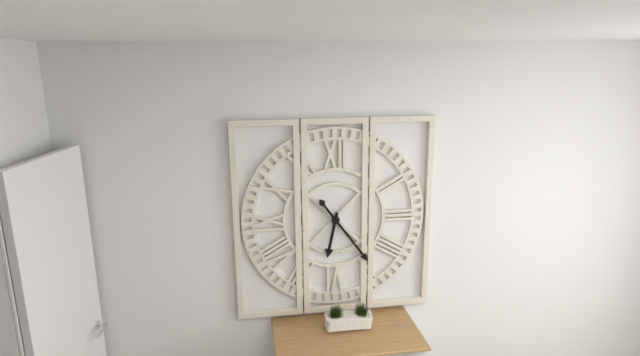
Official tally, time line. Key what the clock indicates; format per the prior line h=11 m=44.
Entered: h=6 m=24
